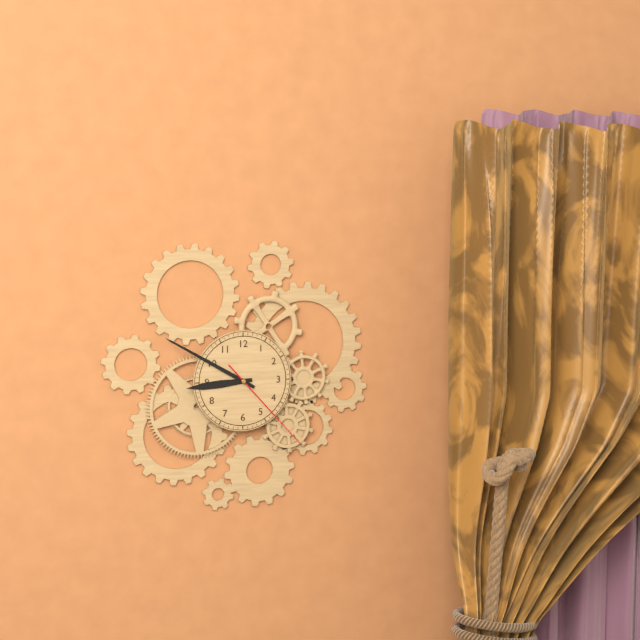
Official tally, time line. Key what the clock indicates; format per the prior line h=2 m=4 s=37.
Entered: h=8 m=50 s=23
